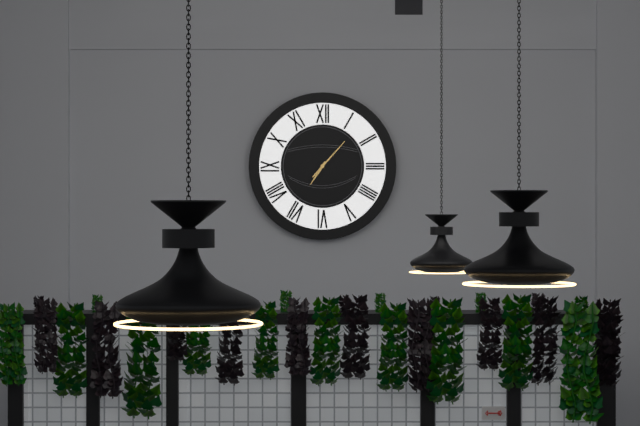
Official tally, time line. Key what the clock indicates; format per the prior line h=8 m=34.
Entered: h=7 m=7
